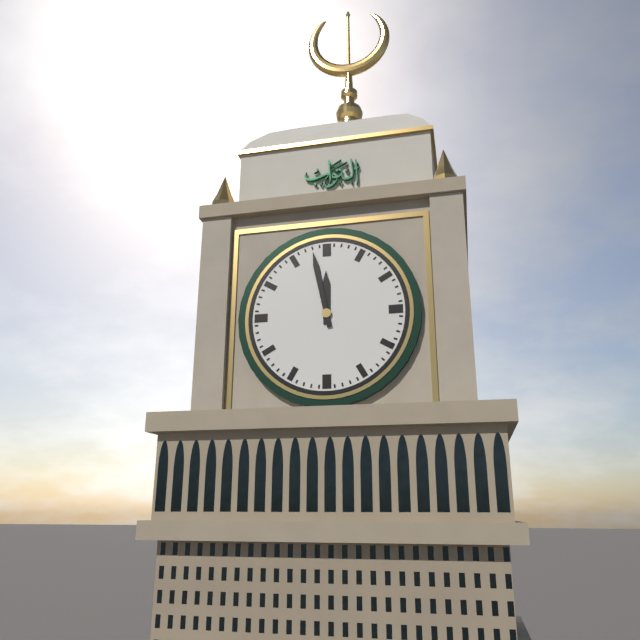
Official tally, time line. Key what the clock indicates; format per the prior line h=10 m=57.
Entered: h=11 m=58
